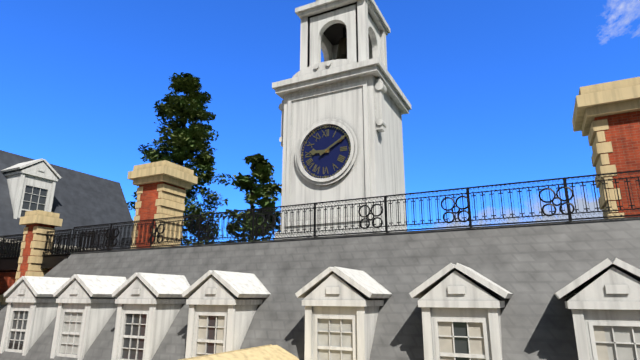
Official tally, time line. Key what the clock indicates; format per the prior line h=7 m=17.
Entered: h=9 m=10
